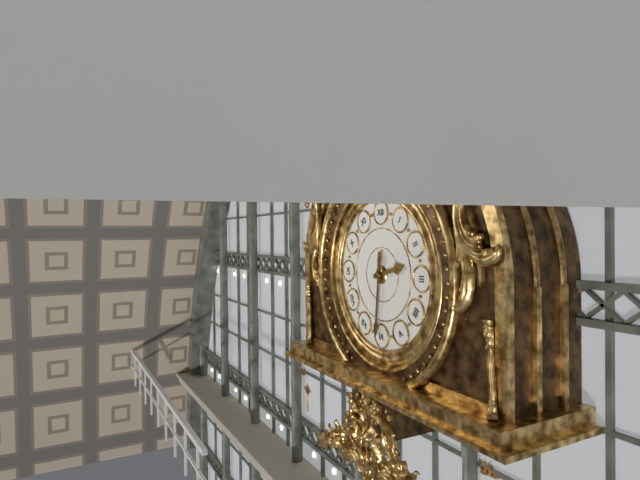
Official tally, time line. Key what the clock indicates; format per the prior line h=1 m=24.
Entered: h=2 m=31
